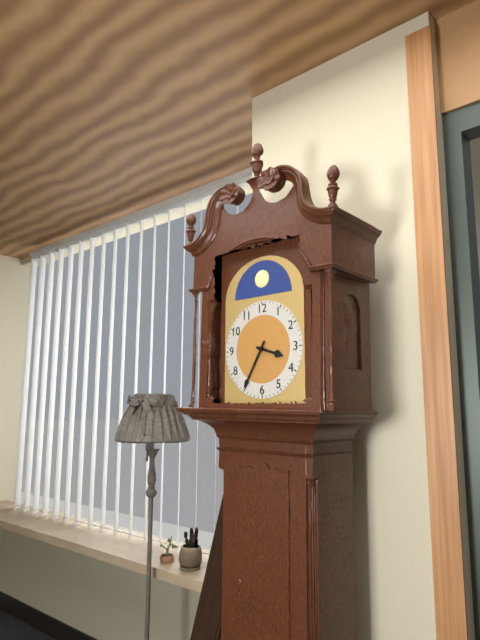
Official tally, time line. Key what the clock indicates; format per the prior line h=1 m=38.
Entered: h=3 m=35
